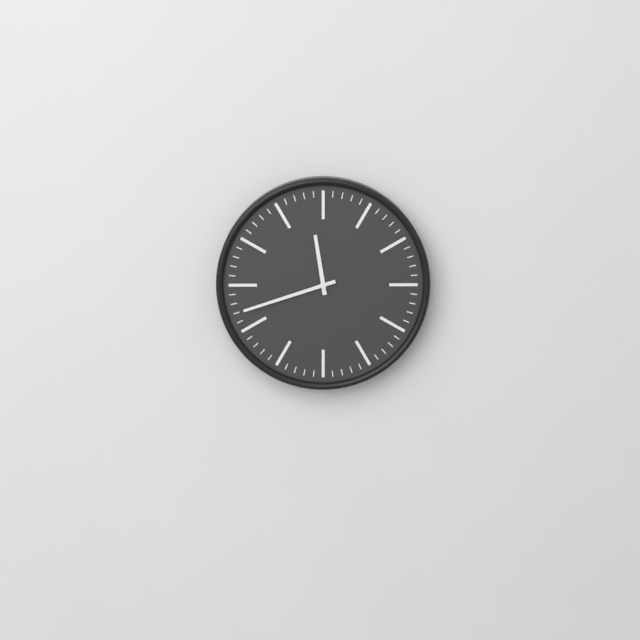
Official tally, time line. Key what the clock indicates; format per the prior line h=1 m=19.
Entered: h=11 m=42
